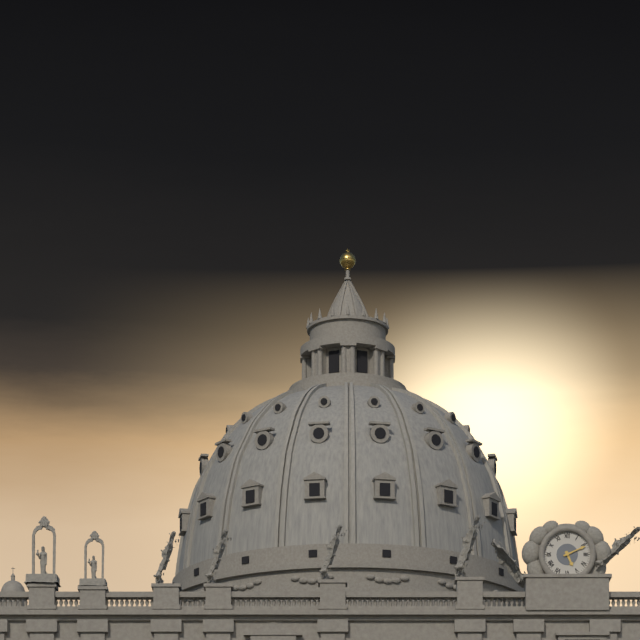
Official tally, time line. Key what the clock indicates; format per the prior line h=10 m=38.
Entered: h=5 m=11
